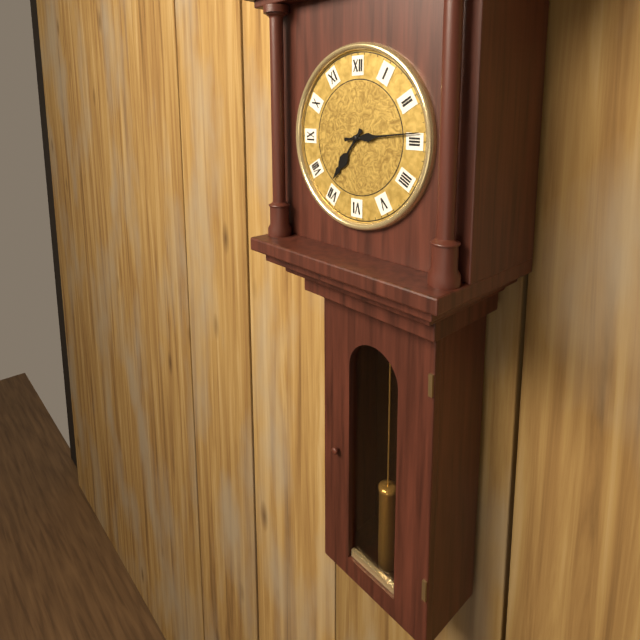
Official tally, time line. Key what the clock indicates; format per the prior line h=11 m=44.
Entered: h=7 m=14
